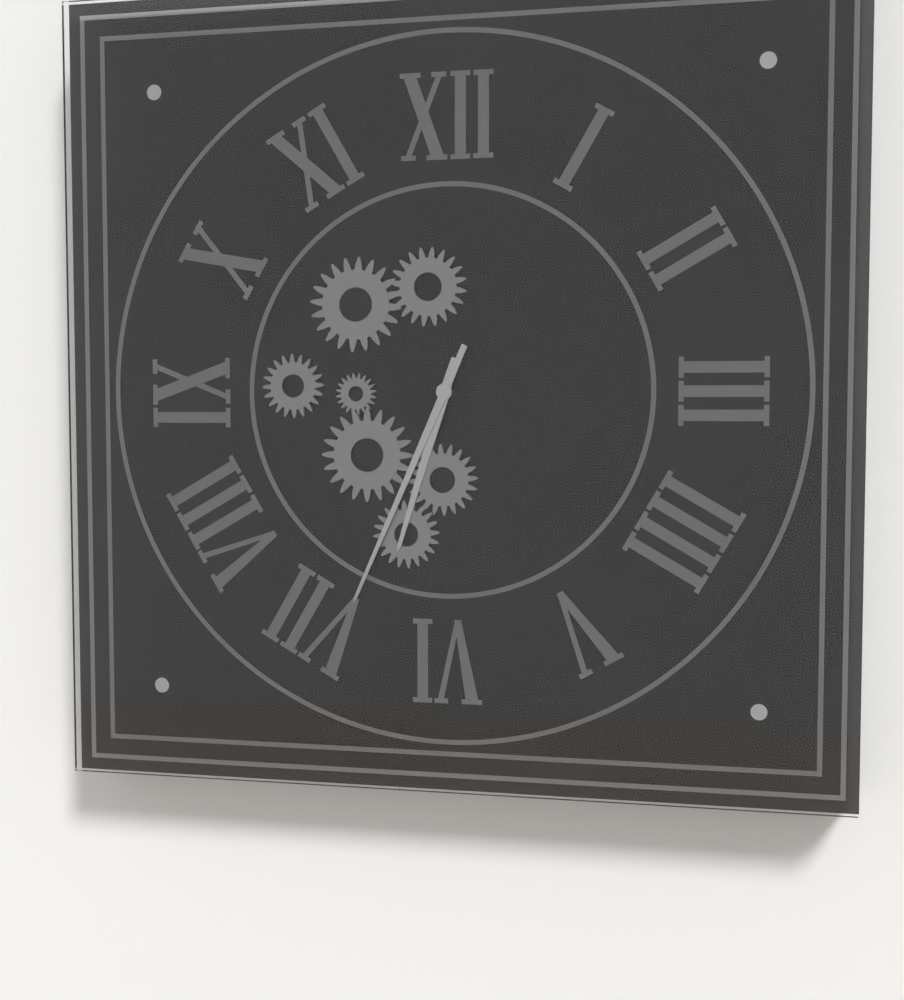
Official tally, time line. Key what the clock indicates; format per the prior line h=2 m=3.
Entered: h=6 m=34
